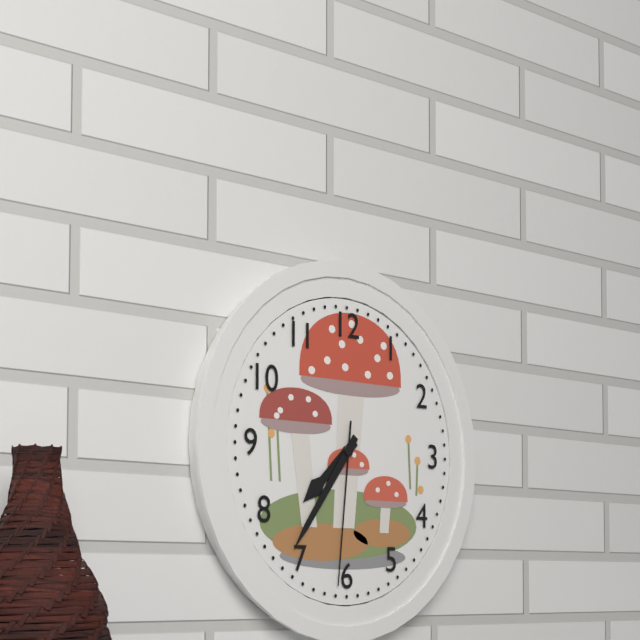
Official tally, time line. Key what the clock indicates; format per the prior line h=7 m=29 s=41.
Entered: h=7 m=36 s=31
